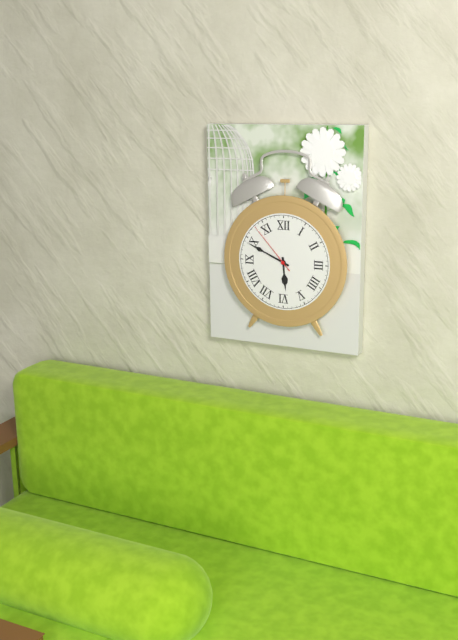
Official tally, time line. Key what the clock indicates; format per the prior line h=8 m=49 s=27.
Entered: h=5 m=49 s=53
